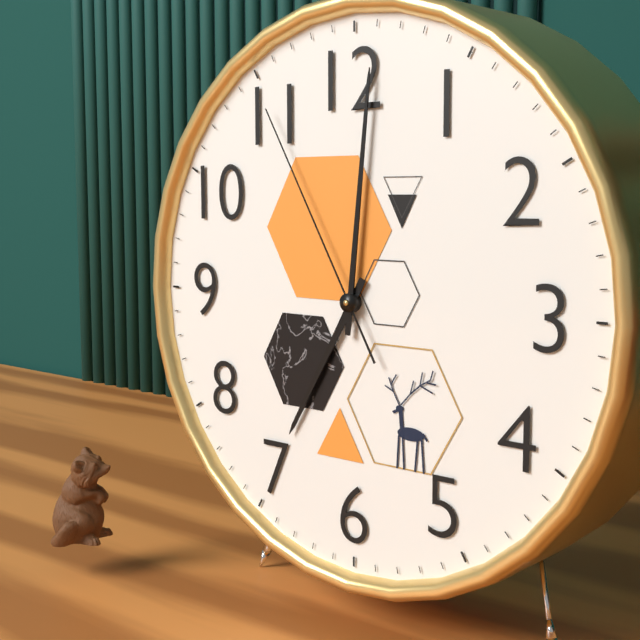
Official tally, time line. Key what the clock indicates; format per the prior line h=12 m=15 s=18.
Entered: h=7 m=1 s=55
